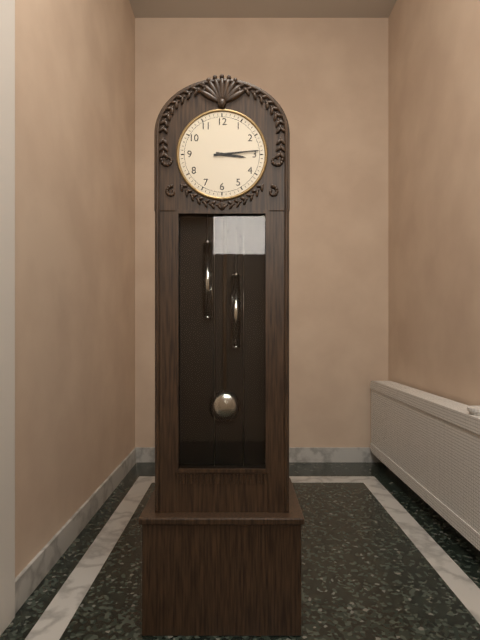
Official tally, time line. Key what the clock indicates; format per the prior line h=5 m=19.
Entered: h=3 m=14
